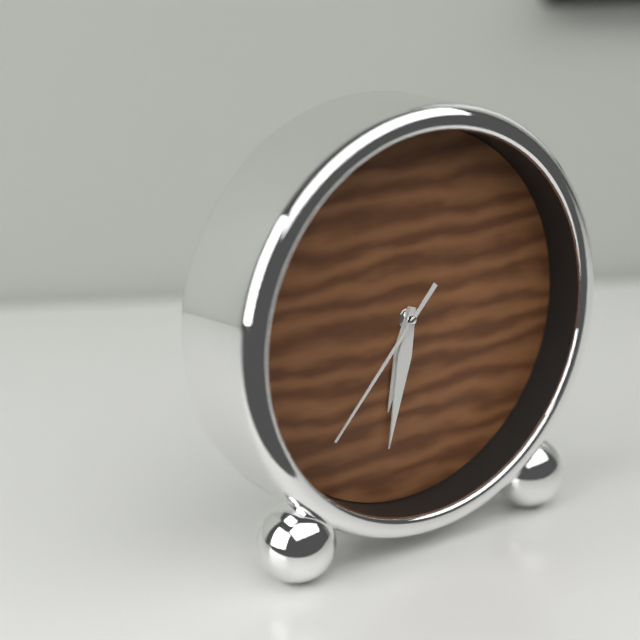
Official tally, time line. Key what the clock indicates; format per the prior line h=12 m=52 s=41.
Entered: h=6 m=32 s=37
